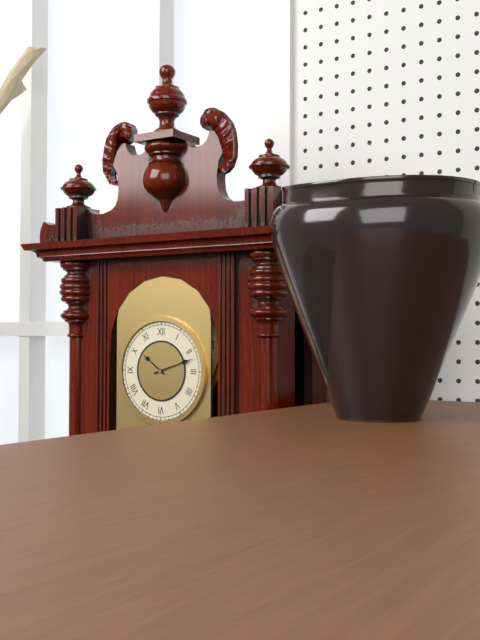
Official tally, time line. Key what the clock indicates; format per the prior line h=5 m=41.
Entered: h=10 m=12
